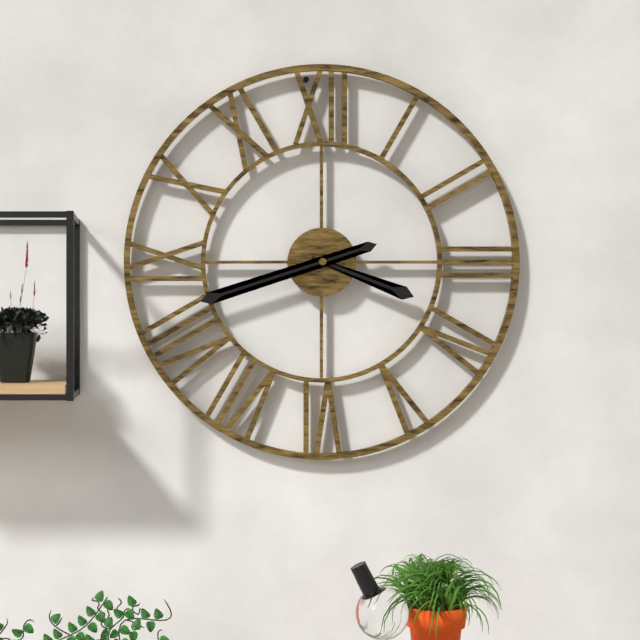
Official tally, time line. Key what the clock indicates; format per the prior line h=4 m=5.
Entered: h=3 m=42
